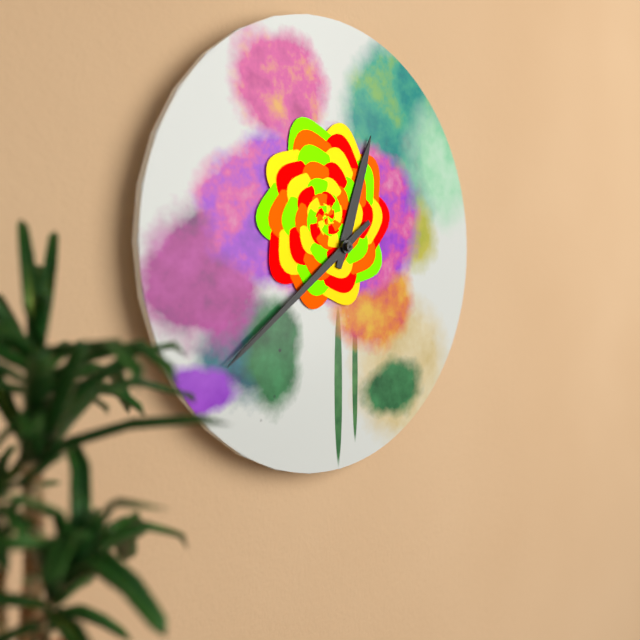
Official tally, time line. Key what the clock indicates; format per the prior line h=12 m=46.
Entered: h=12 m=39
